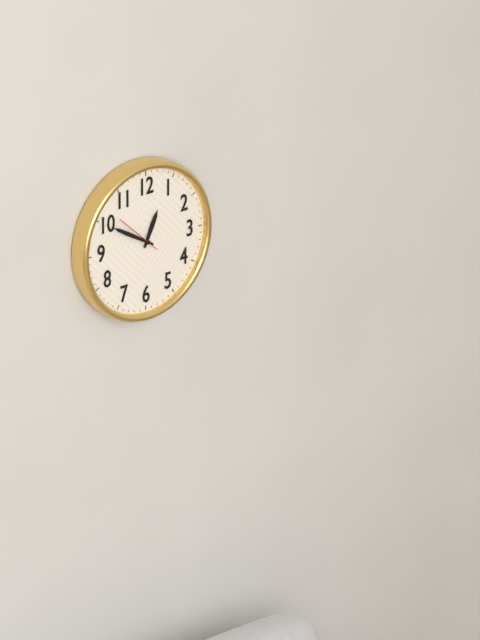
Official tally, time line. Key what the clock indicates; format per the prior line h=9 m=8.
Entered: h=12 m=50
